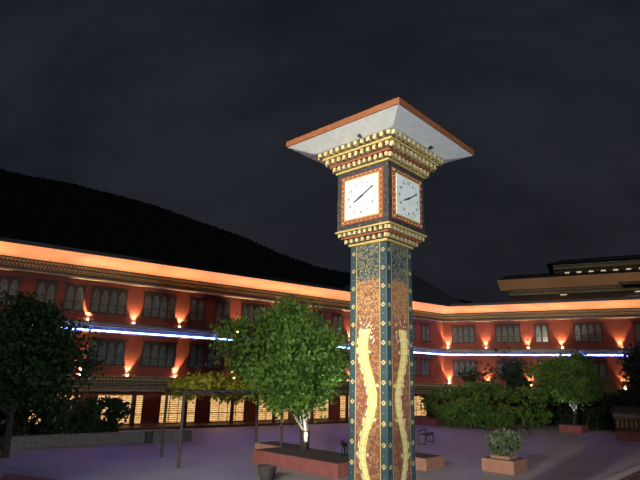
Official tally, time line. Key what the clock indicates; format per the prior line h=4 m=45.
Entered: h=8 m=10
